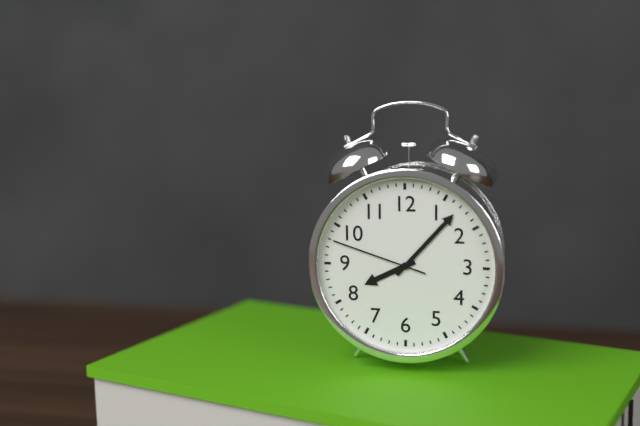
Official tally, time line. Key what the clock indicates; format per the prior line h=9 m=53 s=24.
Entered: h=8 m=7 s=48
